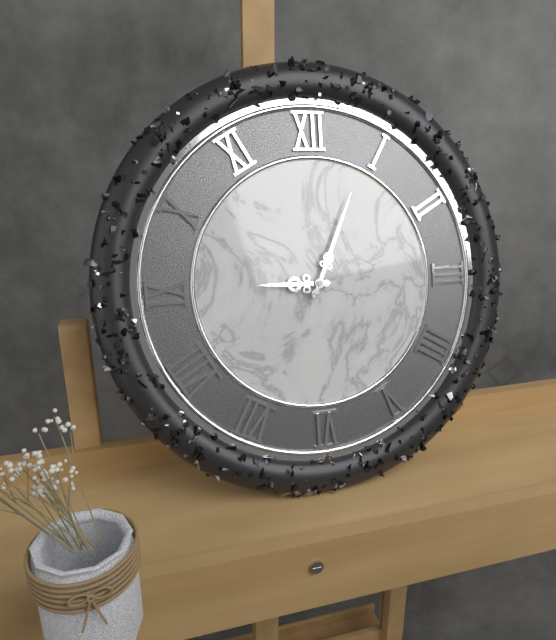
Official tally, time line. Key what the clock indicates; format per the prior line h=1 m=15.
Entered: h=9 m=4
